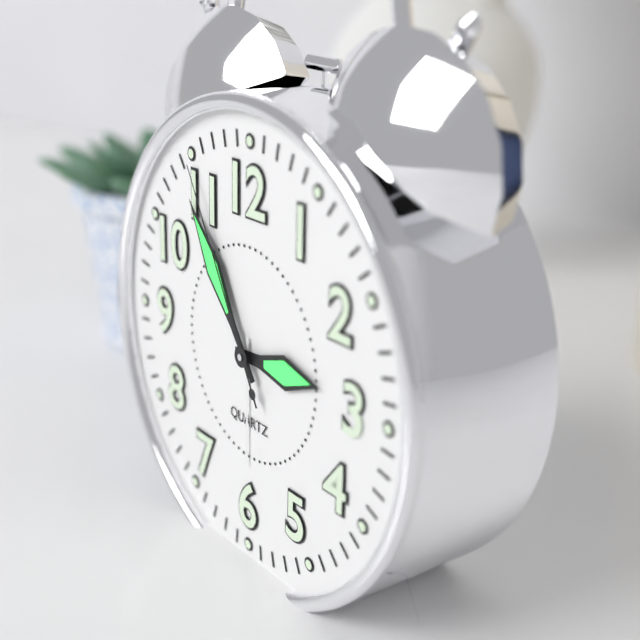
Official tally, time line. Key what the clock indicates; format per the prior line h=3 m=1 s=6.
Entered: h=2 m=54 s=55
